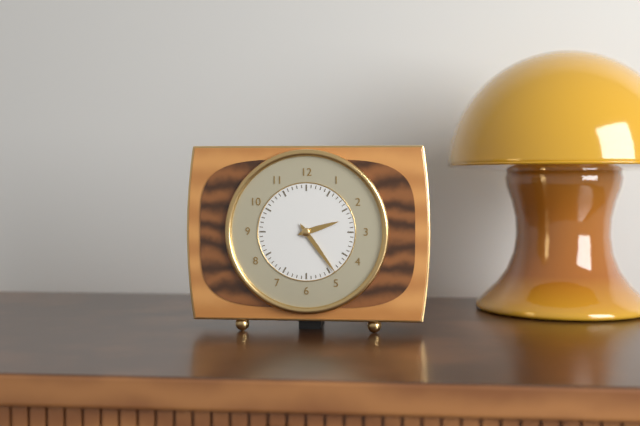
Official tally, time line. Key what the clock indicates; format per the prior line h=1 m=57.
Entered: h=2 m=24
